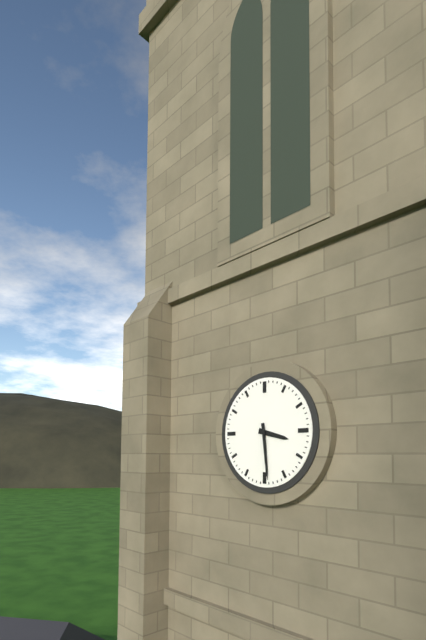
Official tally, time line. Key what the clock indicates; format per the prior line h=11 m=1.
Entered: h=3 m=29
